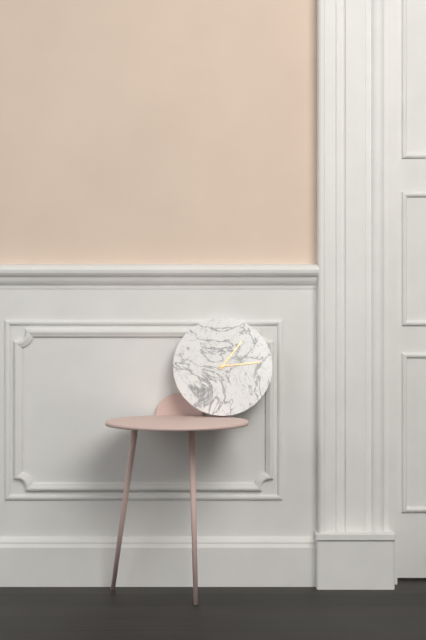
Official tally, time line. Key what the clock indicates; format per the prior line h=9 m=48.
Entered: h=1 m=14
